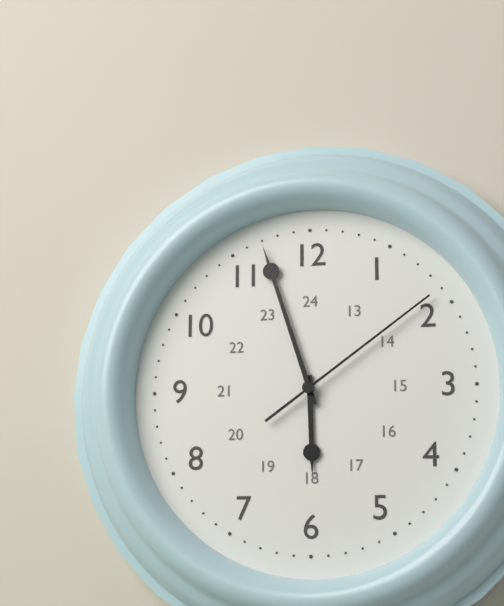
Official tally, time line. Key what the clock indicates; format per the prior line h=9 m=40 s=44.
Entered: h=5 m=57 s=9
